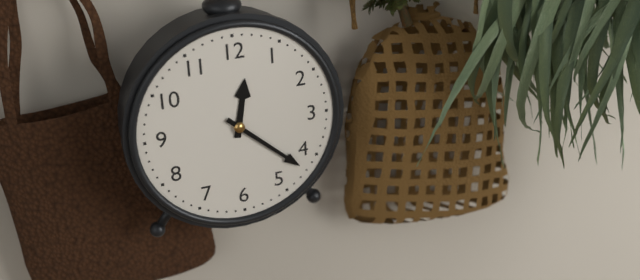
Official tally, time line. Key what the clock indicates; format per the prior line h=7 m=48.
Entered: h=12 m=22
